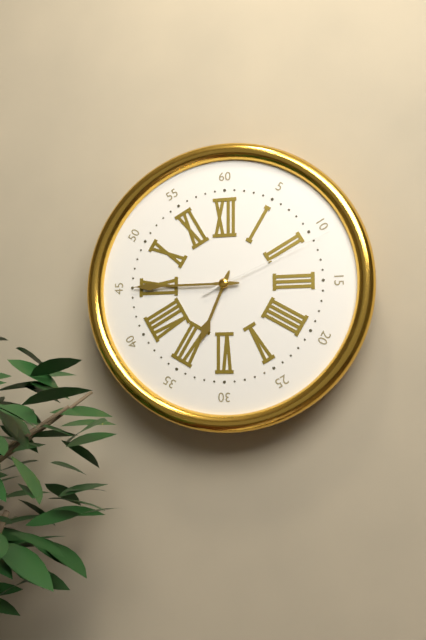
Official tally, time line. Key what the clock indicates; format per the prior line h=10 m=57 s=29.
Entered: h=6 m=45 s=11
